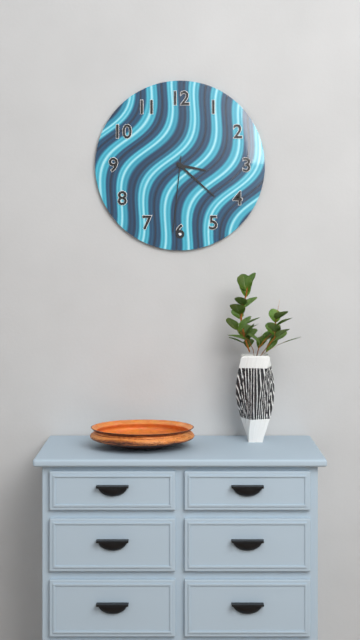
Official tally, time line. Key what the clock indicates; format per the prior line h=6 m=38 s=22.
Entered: h=3 m=22 s=31
